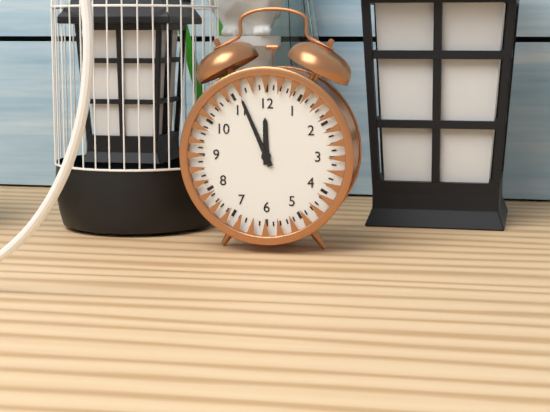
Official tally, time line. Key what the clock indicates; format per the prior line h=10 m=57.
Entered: h=11 m=56
